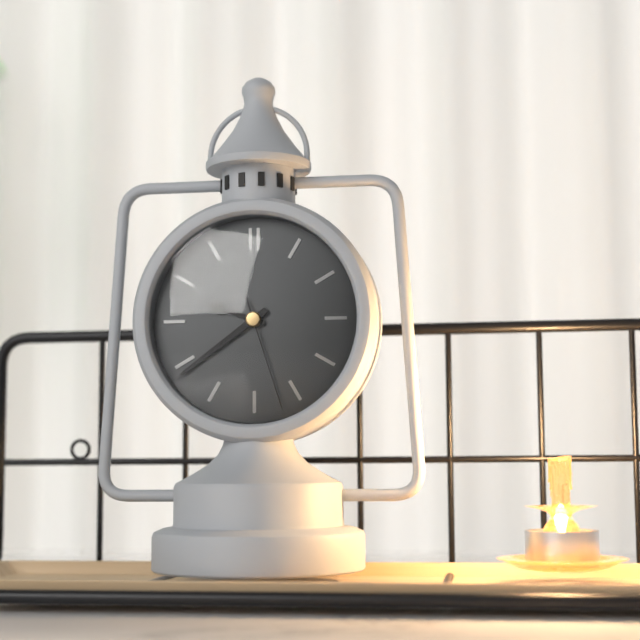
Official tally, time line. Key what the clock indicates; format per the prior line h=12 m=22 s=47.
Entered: h=9 m=39 s=27
